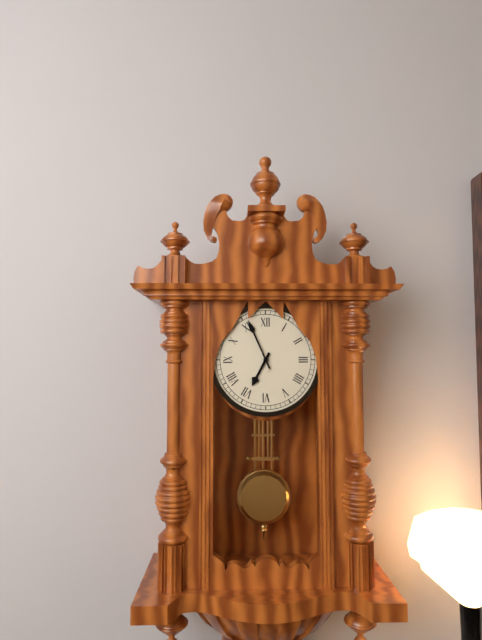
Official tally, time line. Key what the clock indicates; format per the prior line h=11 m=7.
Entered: h=6 m=56
